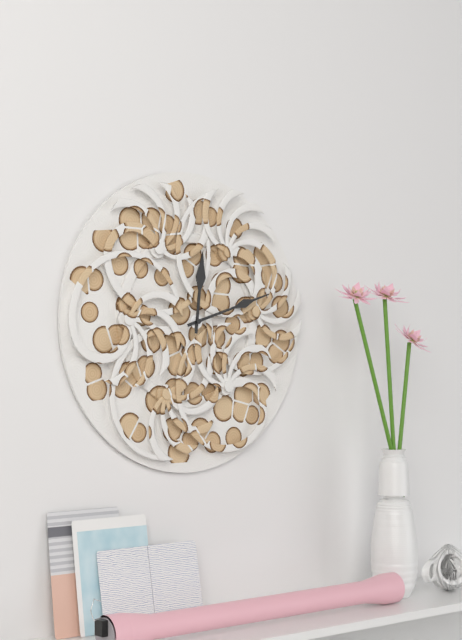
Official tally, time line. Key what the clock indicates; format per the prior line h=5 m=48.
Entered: h=12 m=12
